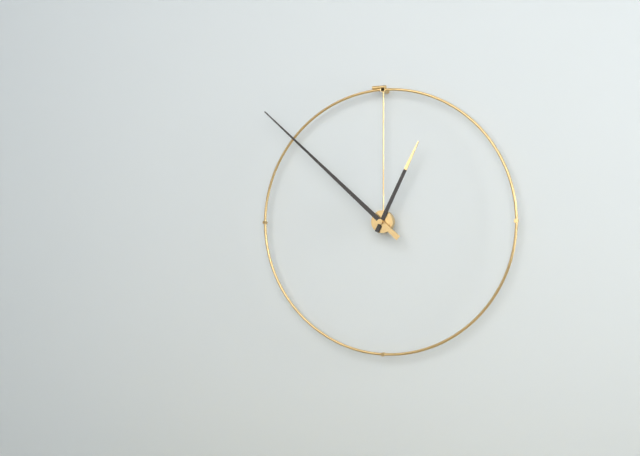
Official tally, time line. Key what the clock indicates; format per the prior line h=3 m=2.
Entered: h=12 m=52
